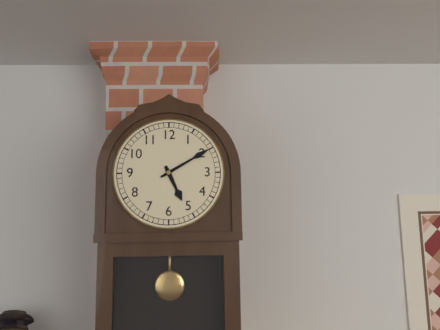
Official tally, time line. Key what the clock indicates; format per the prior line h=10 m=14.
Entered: h=5 m=10
